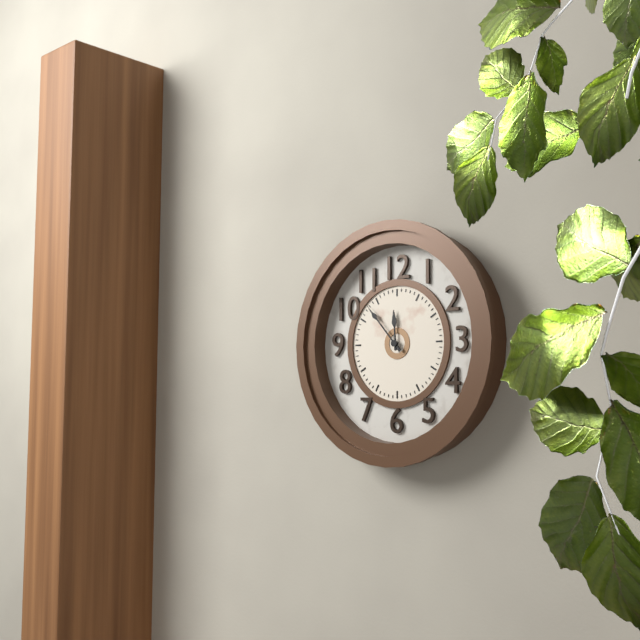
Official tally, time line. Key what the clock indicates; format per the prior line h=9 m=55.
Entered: h=11 m=53
